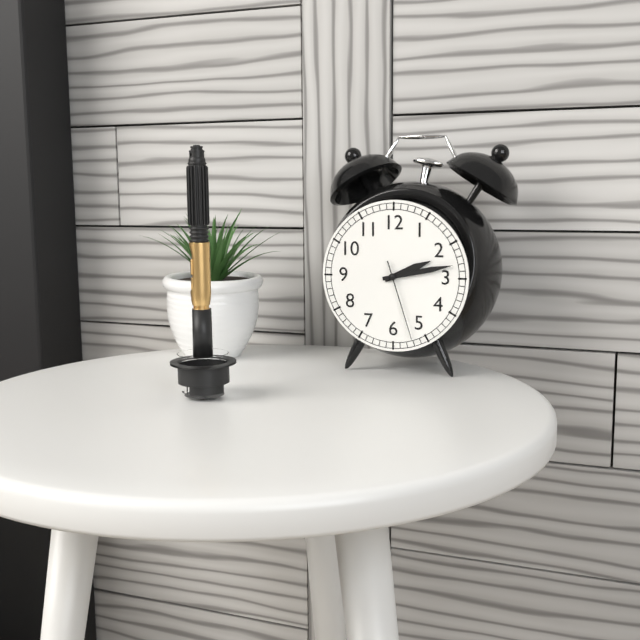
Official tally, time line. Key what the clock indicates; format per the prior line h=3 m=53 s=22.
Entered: h=2 m=13 s=27
